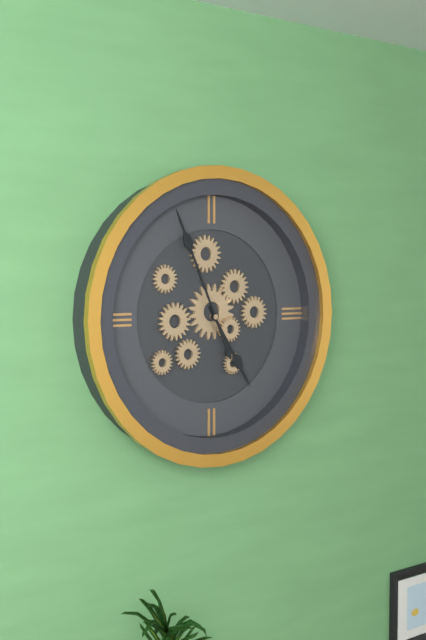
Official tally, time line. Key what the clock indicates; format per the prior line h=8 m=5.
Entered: h=4 m=56
